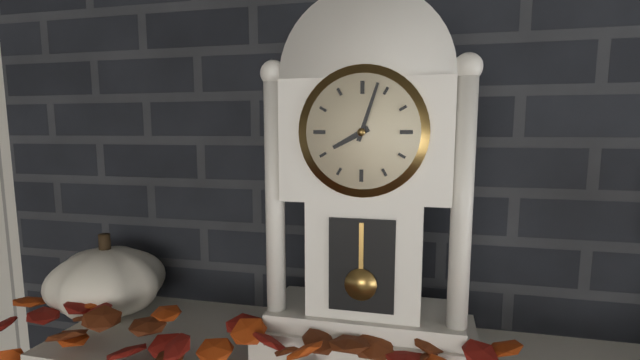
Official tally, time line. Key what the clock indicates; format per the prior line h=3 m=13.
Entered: h=8 m=3
